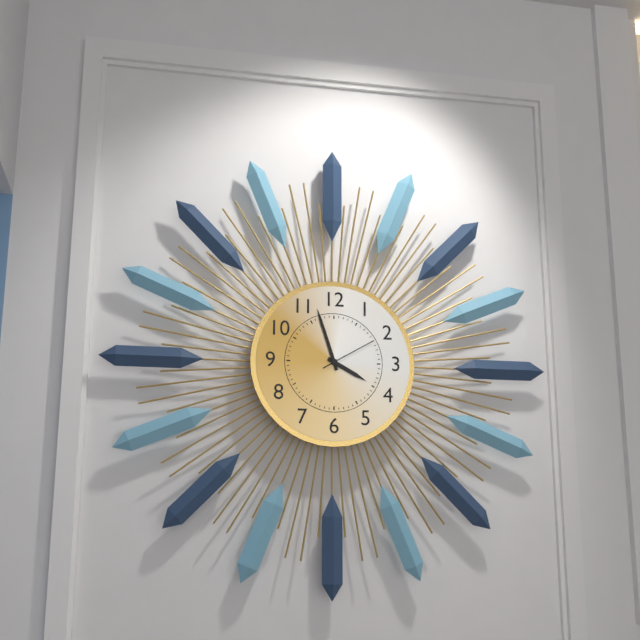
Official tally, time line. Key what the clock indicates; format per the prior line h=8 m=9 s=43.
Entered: h=3 m=57 s=10
